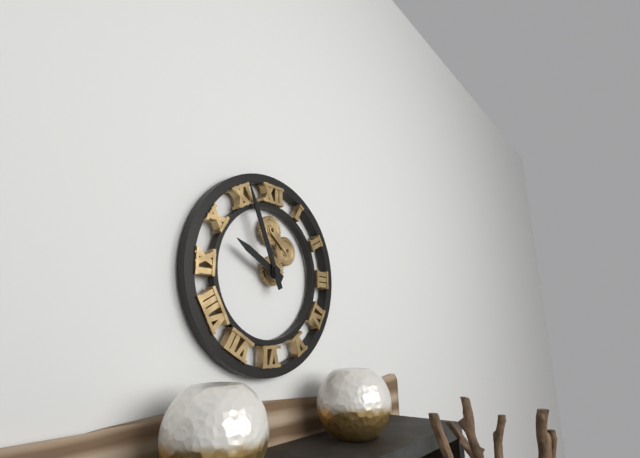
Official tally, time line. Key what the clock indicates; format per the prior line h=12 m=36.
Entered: h=9 m=56
